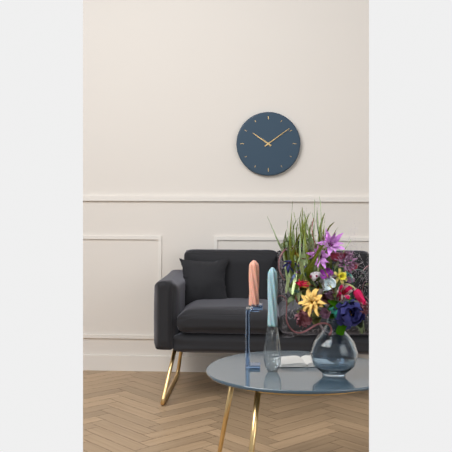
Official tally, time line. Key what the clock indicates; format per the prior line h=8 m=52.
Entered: h=10 m=9
